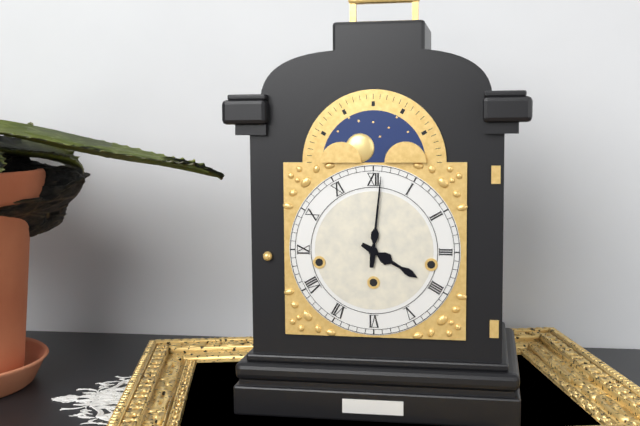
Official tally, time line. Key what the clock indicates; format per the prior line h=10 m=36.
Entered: h=4 m=1
